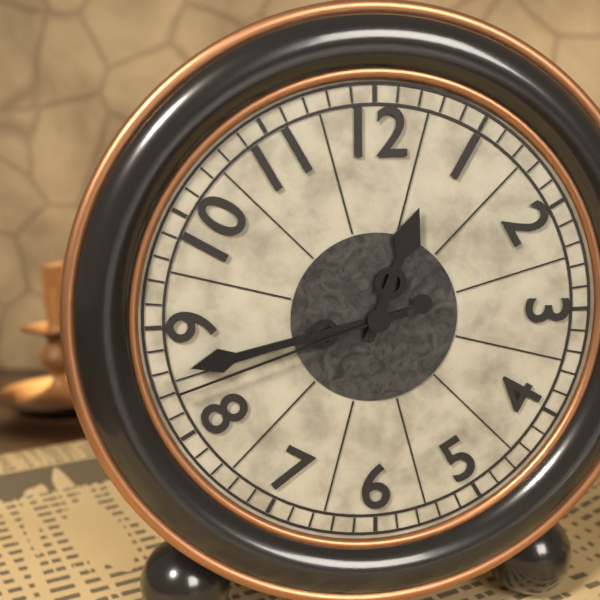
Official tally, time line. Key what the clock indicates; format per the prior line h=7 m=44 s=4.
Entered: h=12 m=43 s=42
